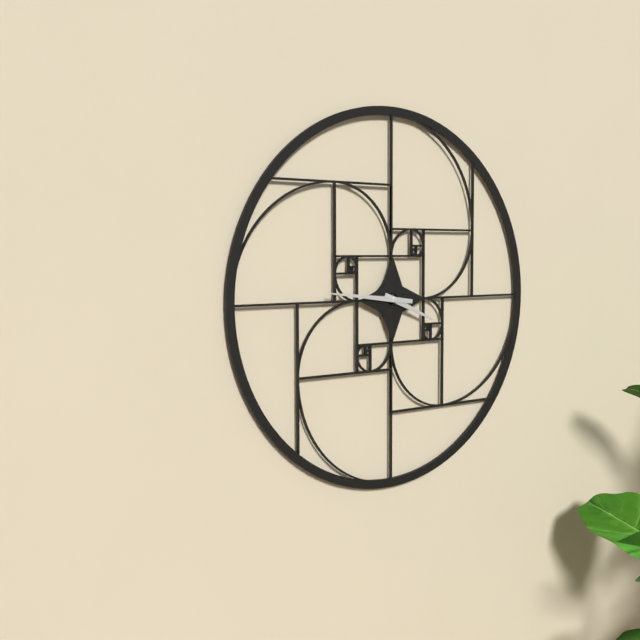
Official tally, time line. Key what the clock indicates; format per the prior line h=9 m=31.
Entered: h=3 m=46
